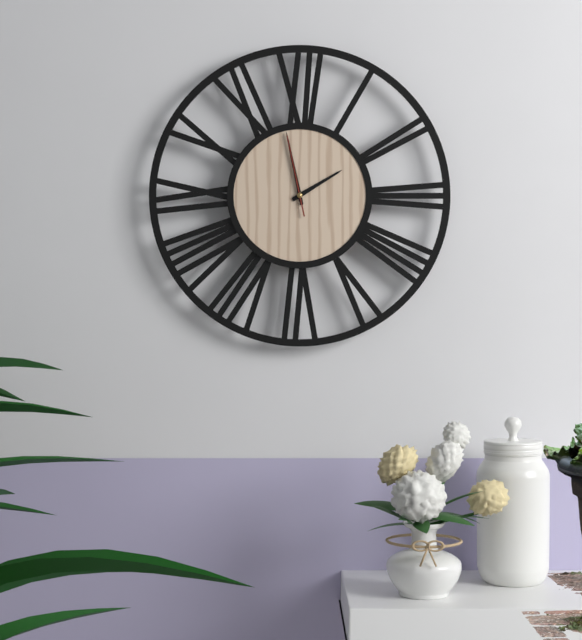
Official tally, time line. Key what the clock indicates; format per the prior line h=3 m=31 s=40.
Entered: h=1 m=58 s=58
